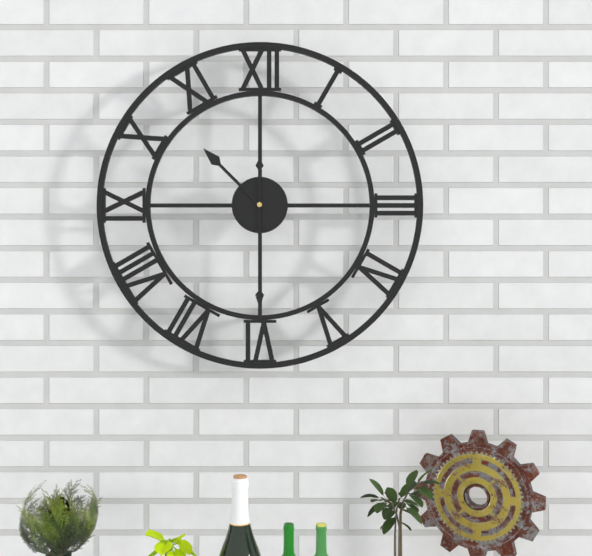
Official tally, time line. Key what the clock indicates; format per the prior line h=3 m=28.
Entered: h=10 m=30
